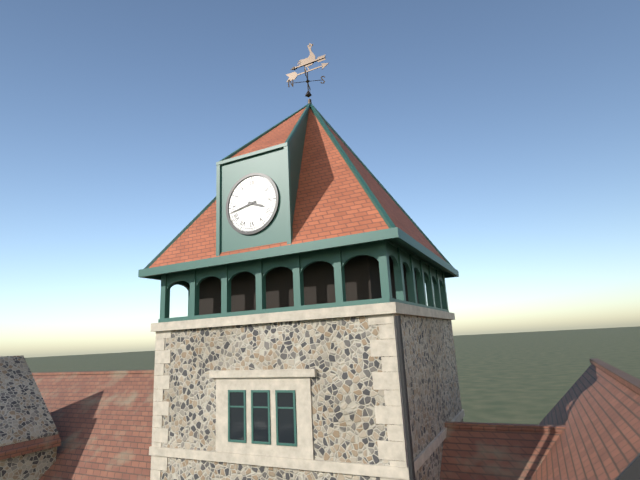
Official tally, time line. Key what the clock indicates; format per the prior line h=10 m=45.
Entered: h=3 m=43
